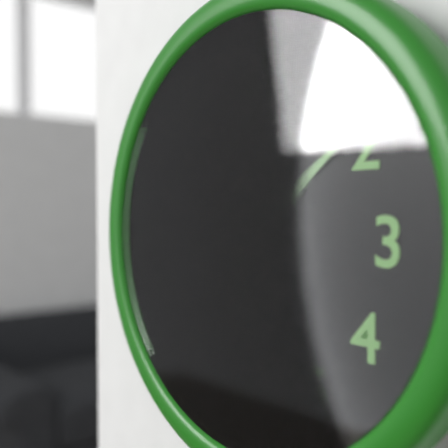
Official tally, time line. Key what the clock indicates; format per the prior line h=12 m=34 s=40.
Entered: h=6 m=9 s=59
